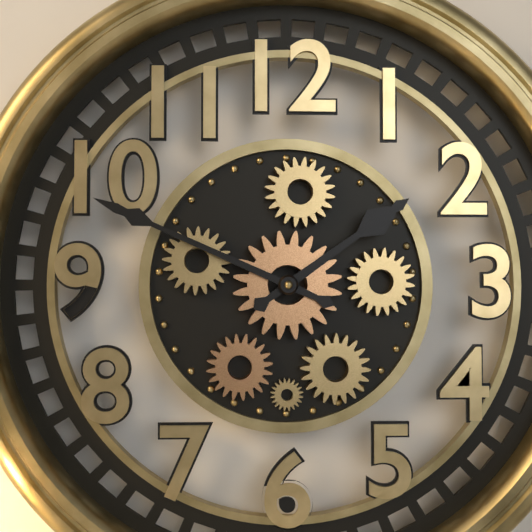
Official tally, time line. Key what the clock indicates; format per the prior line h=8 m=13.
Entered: h=1 m=49
